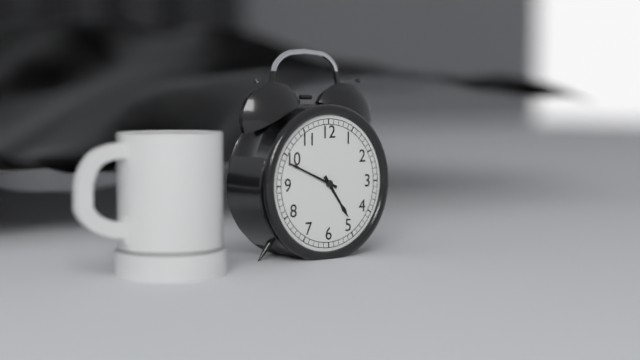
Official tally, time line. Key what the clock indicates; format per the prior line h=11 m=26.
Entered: h=4 m=49
